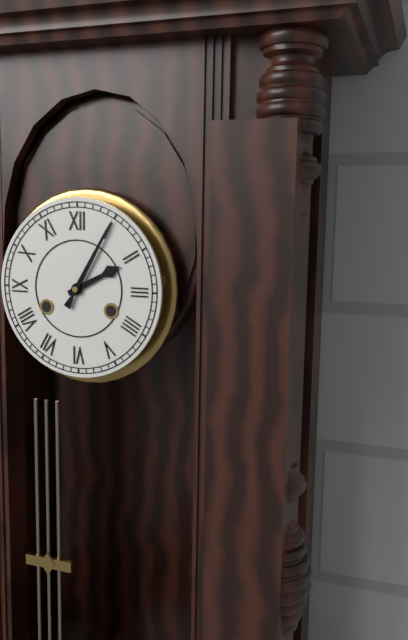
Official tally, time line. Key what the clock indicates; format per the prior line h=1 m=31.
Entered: h=2 m=5
